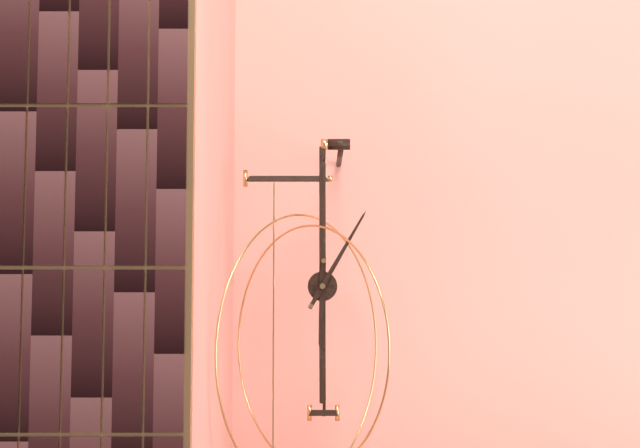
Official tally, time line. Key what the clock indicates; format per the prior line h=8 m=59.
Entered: h=6 m=5
